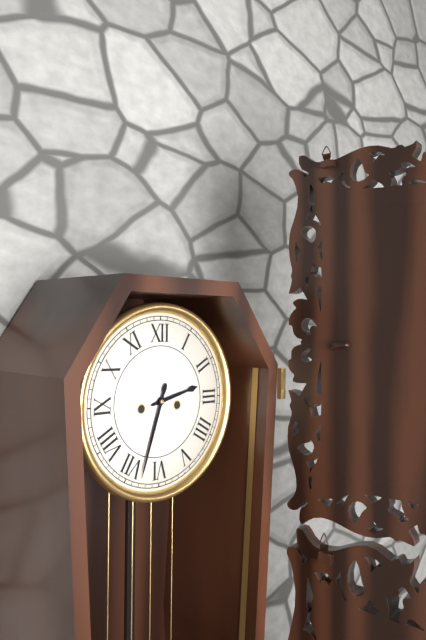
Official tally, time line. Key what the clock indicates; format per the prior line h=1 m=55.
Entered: h=2 m=33
